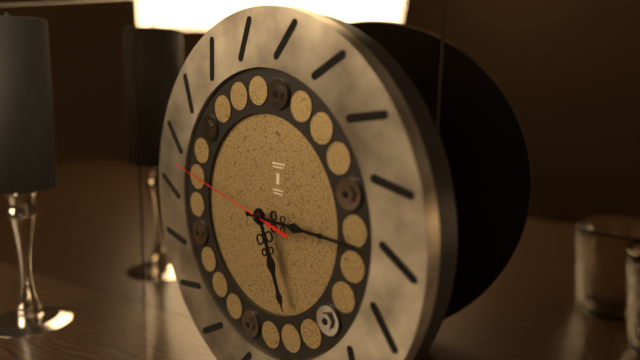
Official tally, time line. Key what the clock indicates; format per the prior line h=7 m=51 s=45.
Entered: h=5 m=15 s=47
